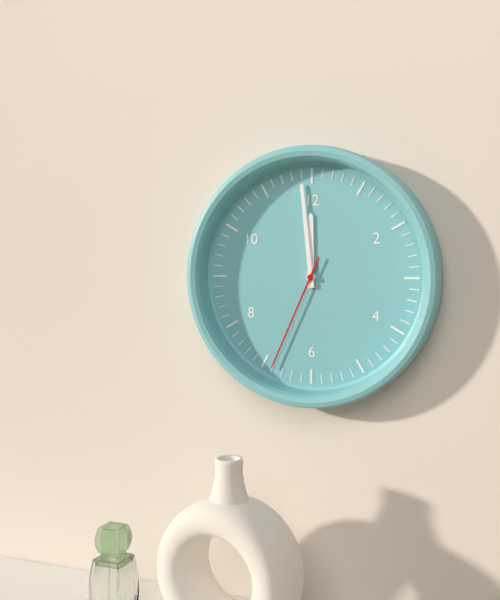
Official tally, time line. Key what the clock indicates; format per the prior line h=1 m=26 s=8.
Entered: h=11 m=59 s=34
